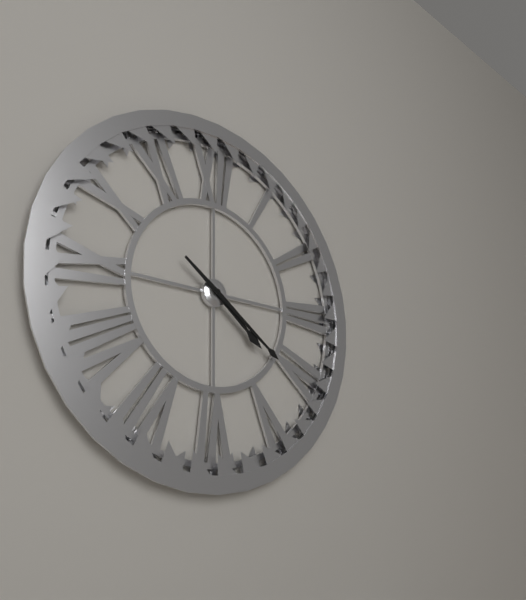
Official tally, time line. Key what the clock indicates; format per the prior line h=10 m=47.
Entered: h=4 m=21
